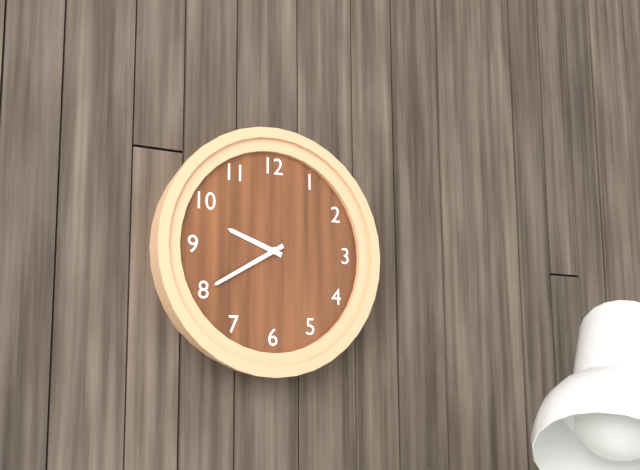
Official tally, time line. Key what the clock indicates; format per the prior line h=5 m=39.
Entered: h=9 m=40
